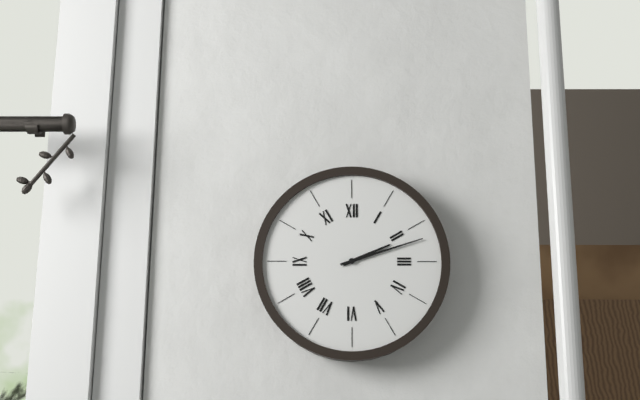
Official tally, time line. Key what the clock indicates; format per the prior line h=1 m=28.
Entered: h=2 m=12
